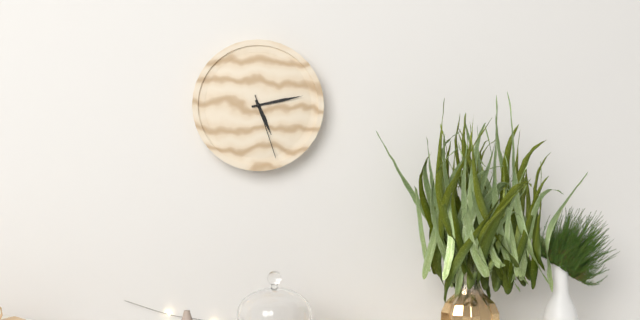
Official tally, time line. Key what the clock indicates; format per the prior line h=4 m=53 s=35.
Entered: h=5 m=13 s=27
